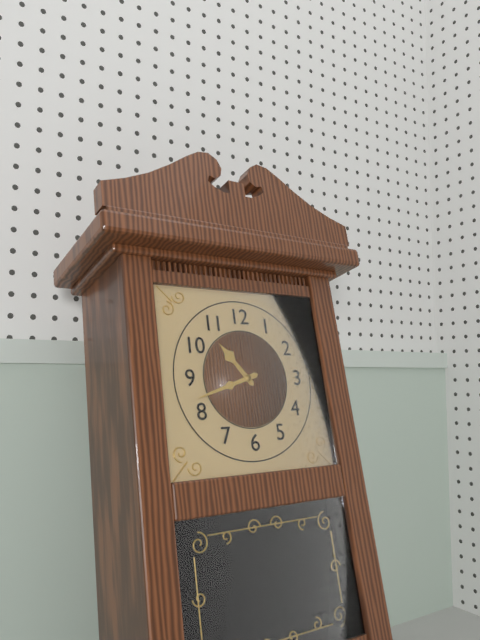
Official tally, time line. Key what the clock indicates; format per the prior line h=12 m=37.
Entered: h=10 m=42
